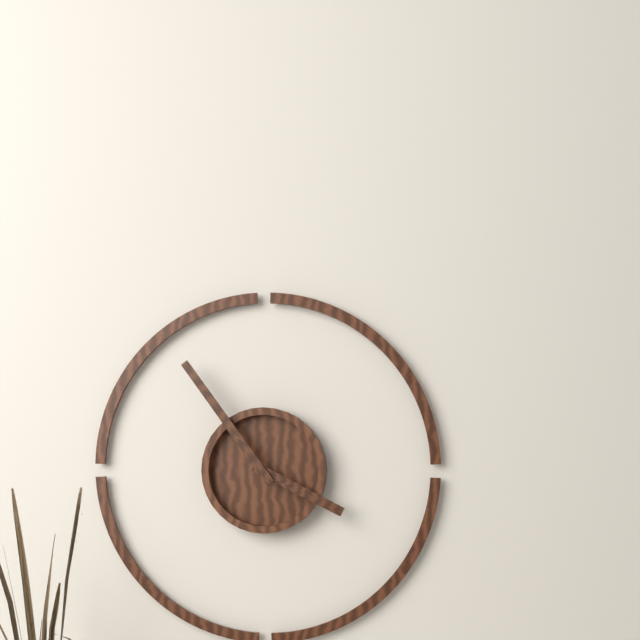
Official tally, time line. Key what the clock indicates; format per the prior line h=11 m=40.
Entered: h=3 m=54
